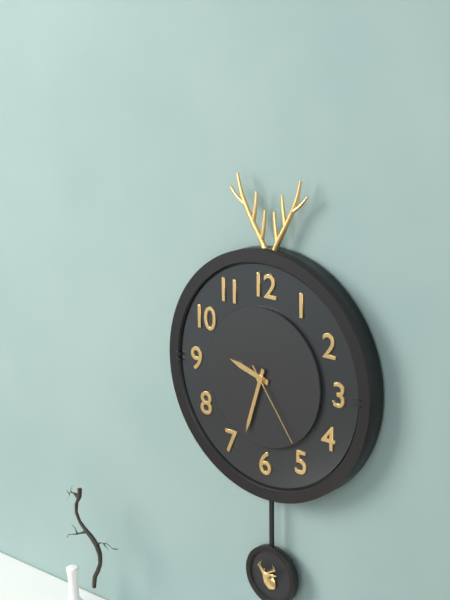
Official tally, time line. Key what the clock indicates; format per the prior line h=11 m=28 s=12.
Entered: h=9 m=33 s=24
